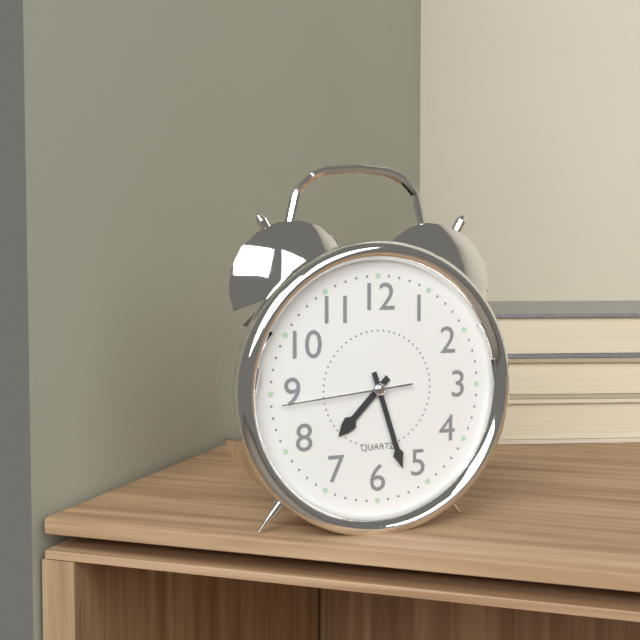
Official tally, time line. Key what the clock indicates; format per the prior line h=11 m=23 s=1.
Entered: h=7 m=27 s=44
